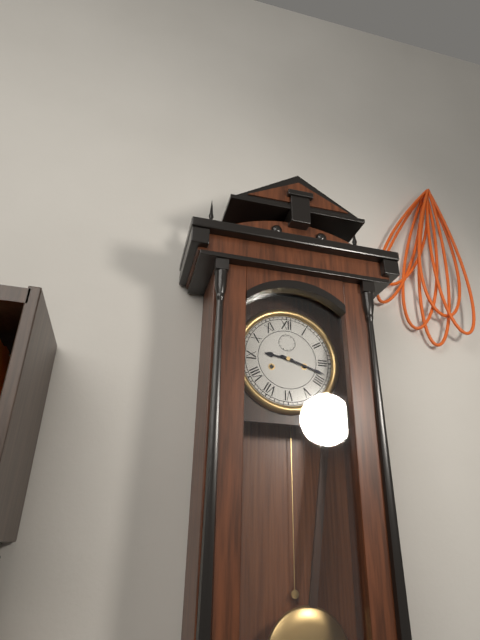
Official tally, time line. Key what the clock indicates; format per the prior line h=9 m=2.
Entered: h=9 m=18
